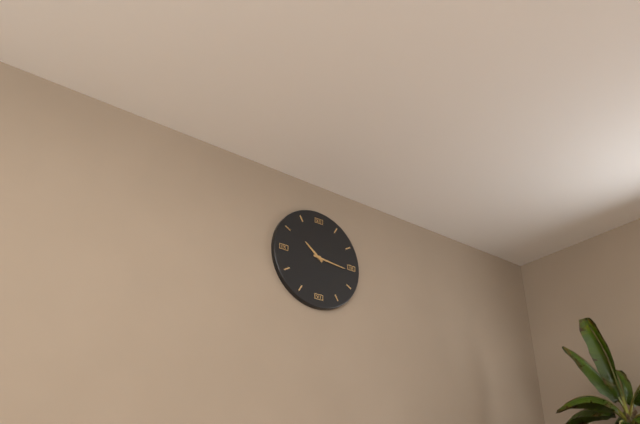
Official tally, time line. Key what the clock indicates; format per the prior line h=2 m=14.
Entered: h=10 m=16
